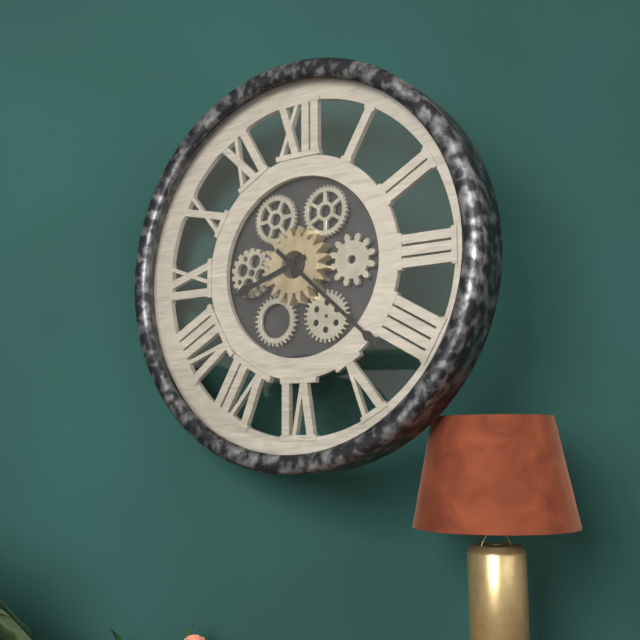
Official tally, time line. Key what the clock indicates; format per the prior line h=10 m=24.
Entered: h=8 m=22
